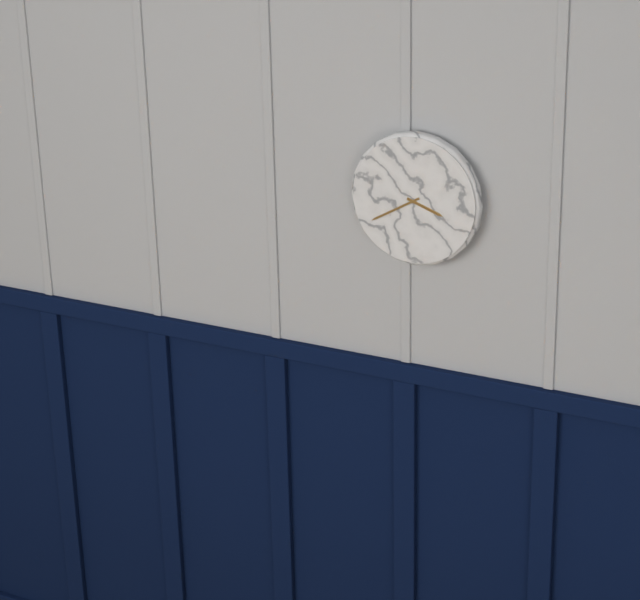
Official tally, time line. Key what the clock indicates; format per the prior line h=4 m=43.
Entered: h=3 m=40
